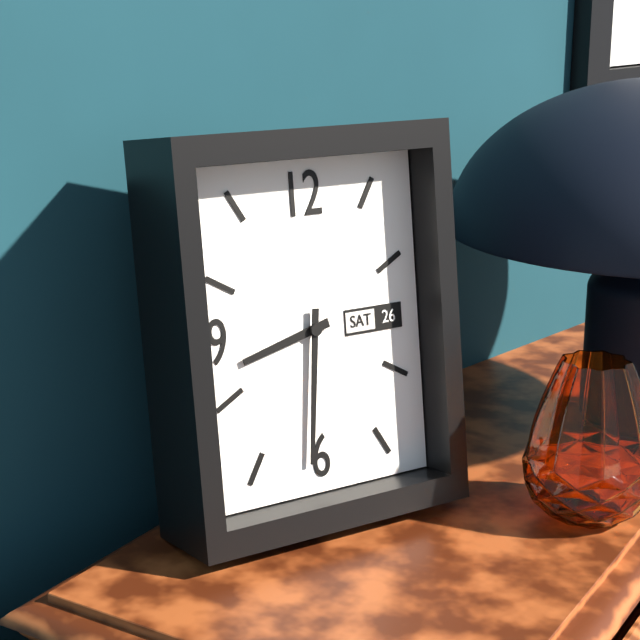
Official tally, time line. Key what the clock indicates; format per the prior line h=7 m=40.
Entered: h=8 m=31
